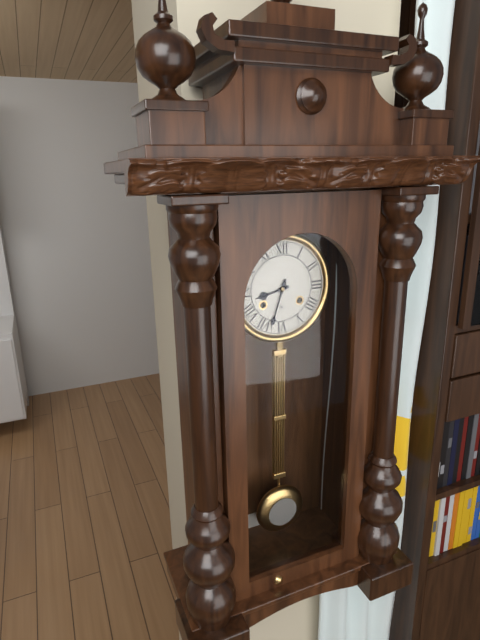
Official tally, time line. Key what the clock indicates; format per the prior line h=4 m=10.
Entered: h=8 m=33
